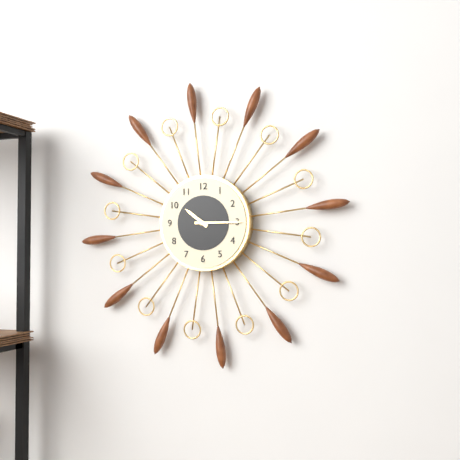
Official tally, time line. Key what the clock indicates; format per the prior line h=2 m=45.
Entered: h=10 m=15
